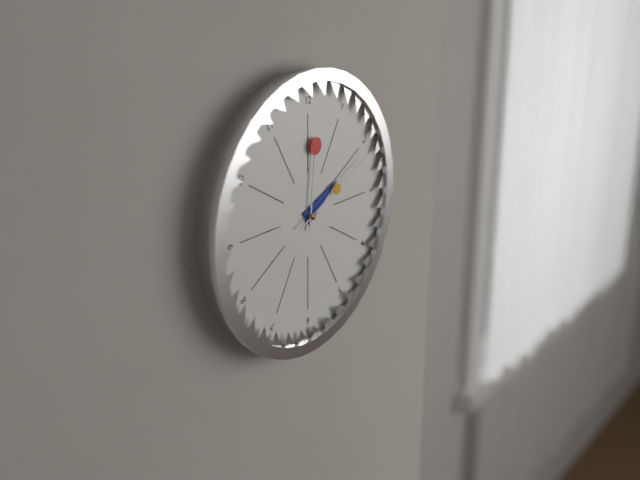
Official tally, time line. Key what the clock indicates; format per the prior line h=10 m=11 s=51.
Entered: h=2 m=1 s=11
